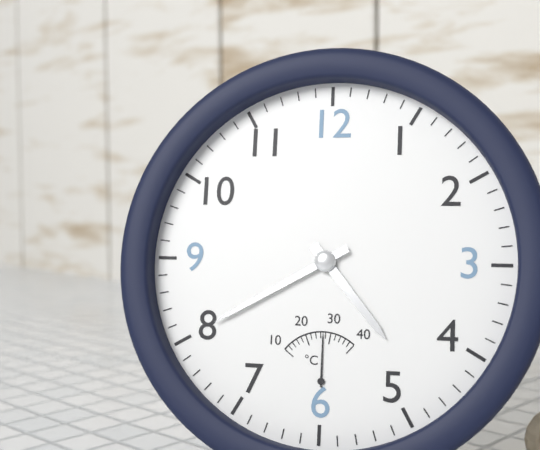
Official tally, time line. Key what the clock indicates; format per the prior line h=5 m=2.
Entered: h=4 m=40
